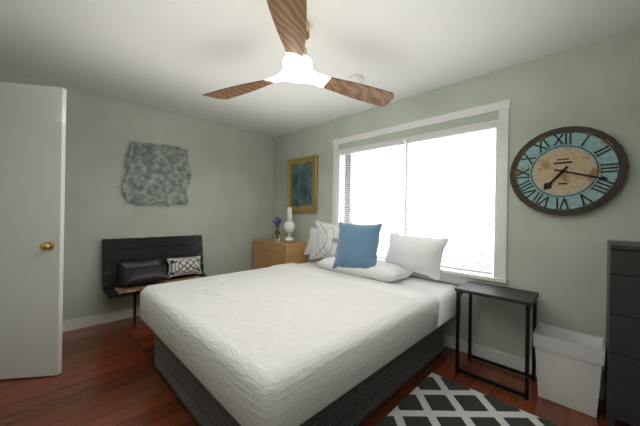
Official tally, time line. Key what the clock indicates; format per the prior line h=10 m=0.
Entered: h=7 m=18
